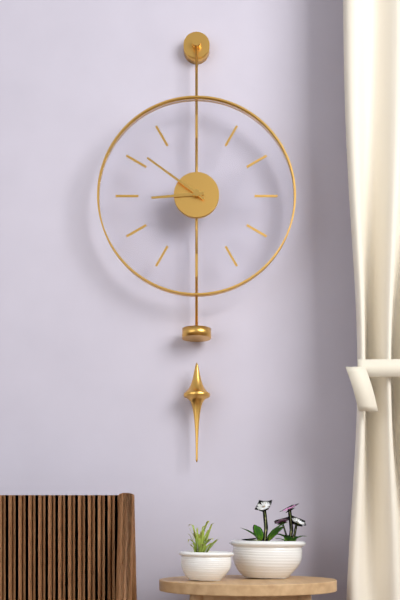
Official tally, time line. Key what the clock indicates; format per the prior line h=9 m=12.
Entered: h=8 m=51
